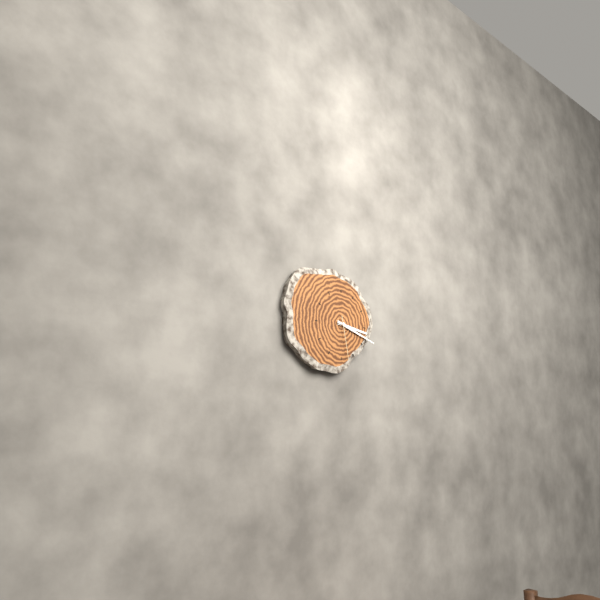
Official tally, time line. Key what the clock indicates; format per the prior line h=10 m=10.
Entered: h=3 m=18
